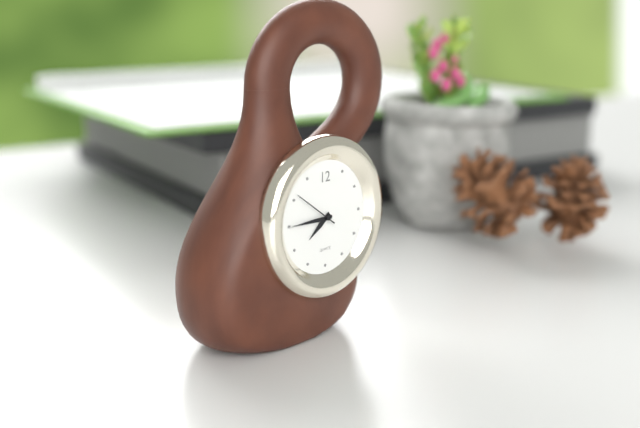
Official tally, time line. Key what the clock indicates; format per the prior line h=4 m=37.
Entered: h=7 m=45
